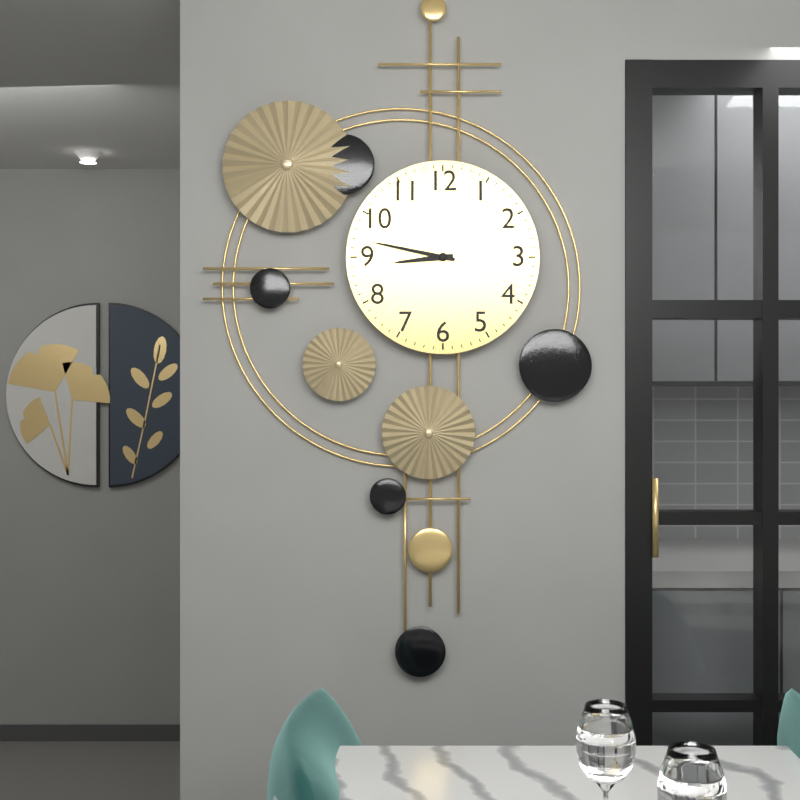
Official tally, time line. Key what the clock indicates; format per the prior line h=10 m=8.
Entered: h=8 m=47
